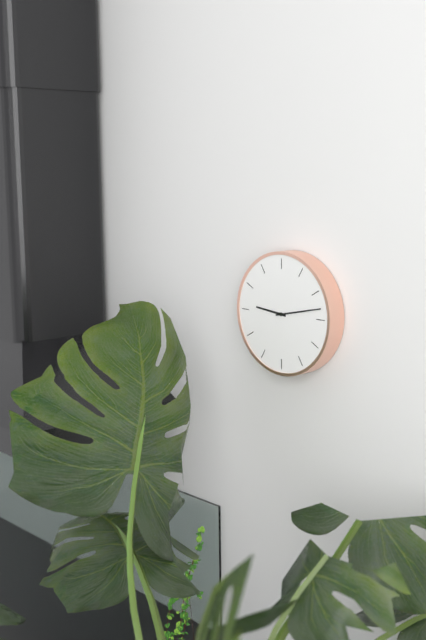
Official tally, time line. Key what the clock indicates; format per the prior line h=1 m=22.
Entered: h=9 m=13
